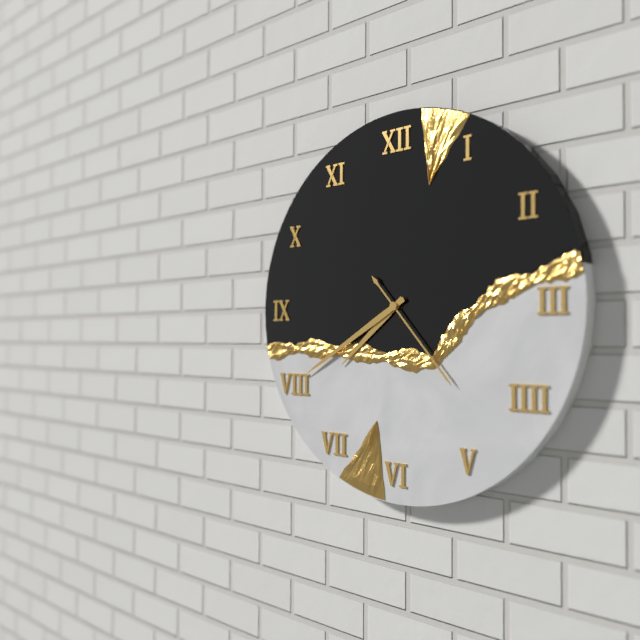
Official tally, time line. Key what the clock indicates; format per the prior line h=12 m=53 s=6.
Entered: h=7 m=40 s=23
